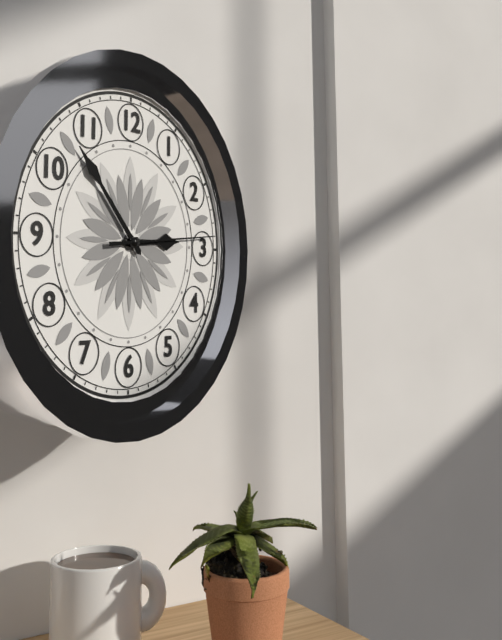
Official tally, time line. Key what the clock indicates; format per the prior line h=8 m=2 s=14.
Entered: h=2 m=53 s=14
